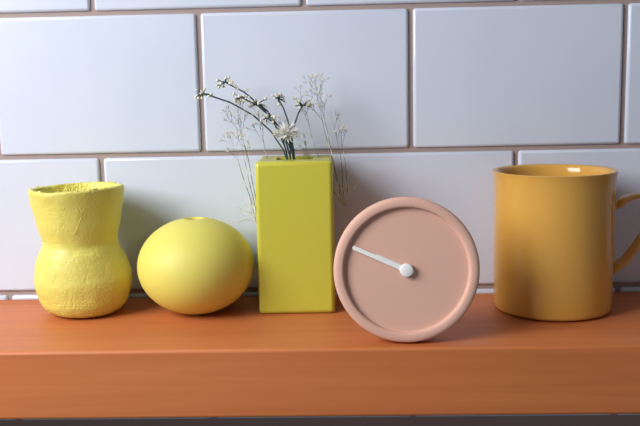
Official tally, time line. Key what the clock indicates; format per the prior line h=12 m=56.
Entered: h=9 m=49
